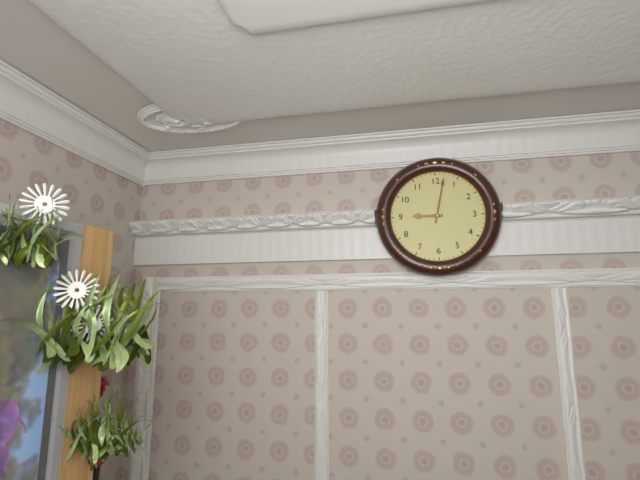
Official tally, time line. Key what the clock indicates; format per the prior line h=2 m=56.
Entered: h=9 m=2
